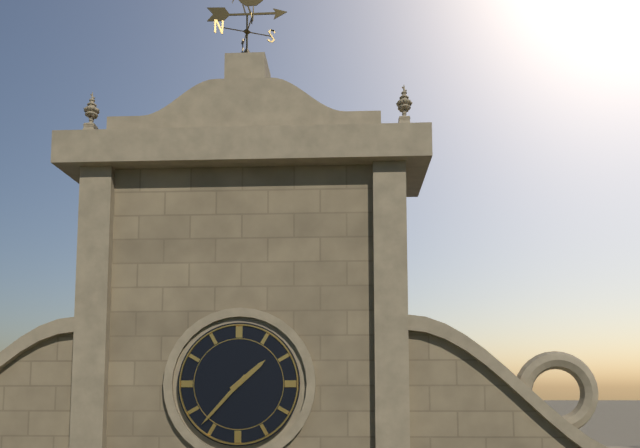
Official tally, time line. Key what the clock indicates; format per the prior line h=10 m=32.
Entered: h=1 m=37
